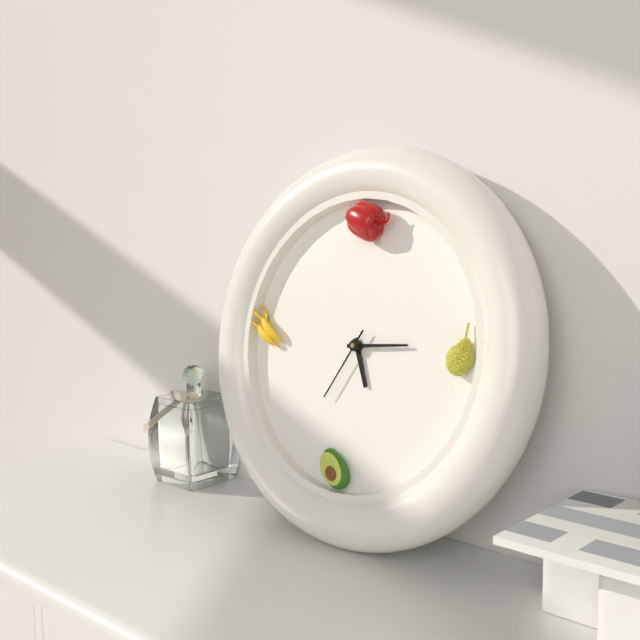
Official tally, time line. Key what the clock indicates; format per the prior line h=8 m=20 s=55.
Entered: h=5 m=14 s=35
